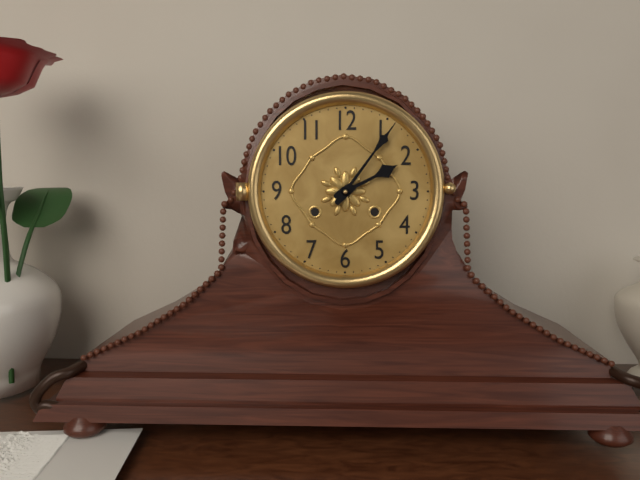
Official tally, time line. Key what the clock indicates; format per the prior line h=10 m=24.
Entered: h=2 m=6
